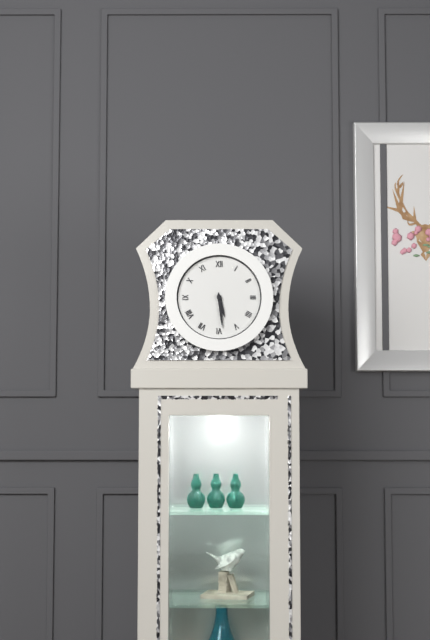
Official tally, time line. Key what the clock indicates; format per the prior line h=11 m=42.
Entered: h=5 m=29
